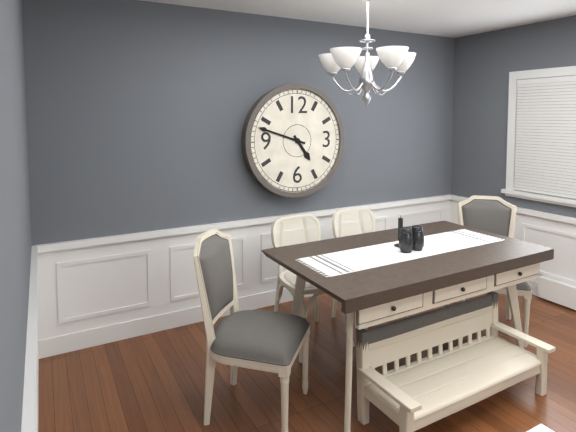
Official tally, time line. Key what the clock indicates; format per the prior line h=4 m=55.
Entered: h=4 m=48
